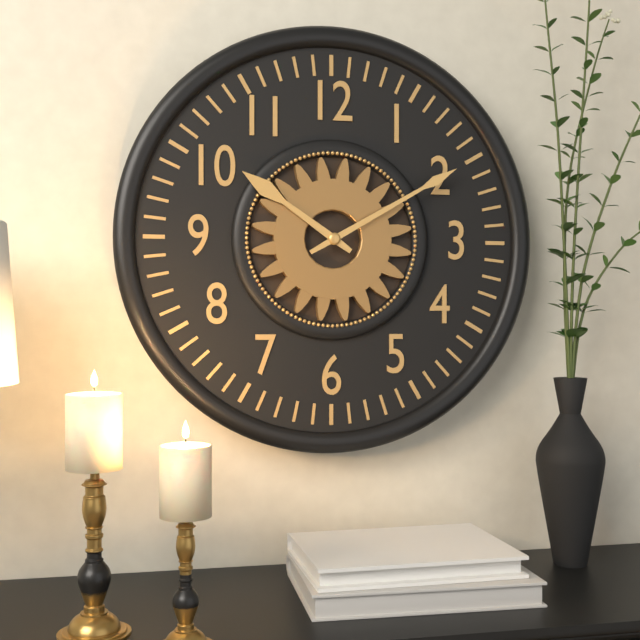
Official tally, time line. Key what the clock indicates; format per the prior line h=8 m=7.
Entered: h=10 m=10
